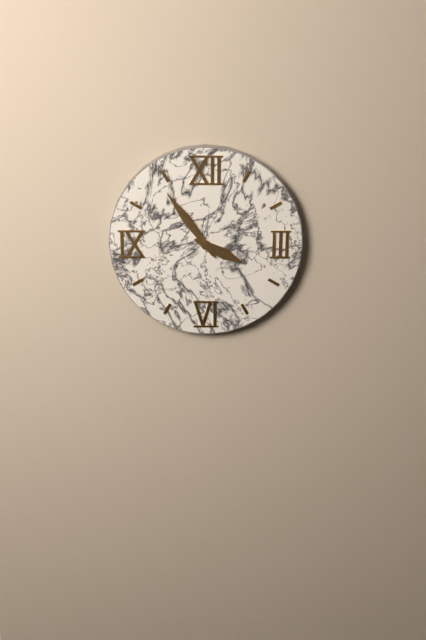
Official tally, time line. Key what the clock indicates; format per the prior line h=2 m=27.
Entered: h=3 m=54
